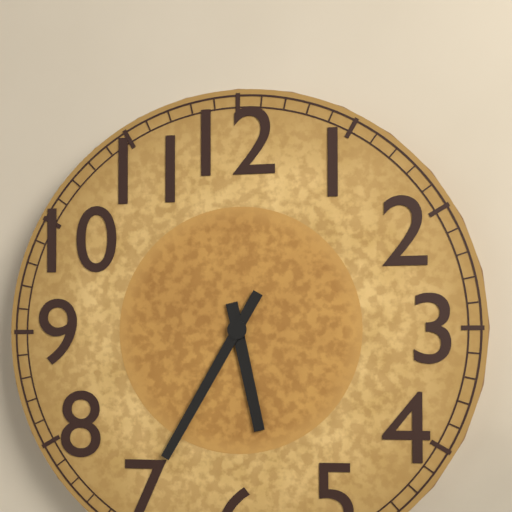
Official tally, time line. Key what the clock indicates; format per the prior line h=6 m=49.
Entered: h=5 m=35
